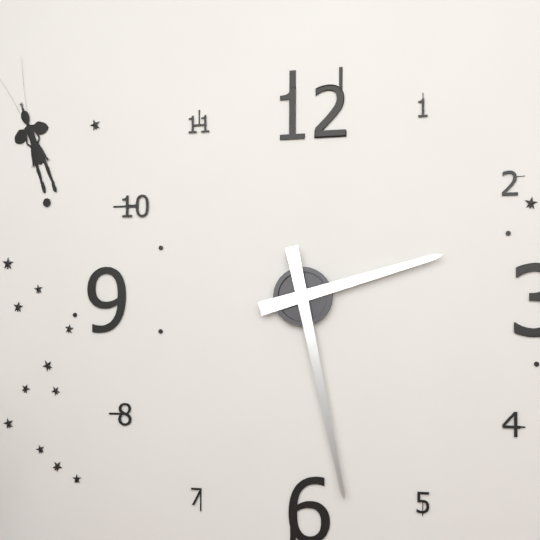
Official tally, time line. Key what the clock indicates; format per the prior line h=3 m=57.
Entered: h=2 m=28
